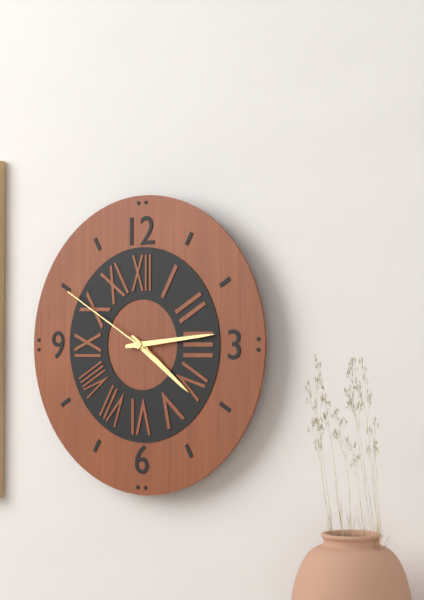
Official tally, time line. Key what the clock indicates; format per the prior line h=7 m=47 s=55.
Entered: h=4 m=14 s=50
